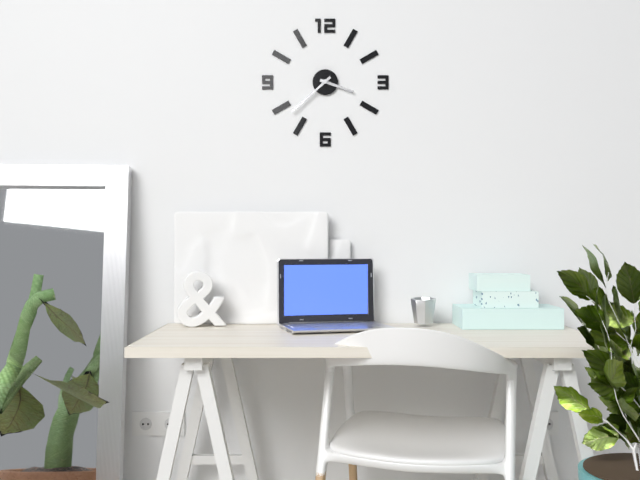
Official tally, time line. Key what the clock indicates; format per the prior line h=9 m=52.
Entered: h=3 m=38
